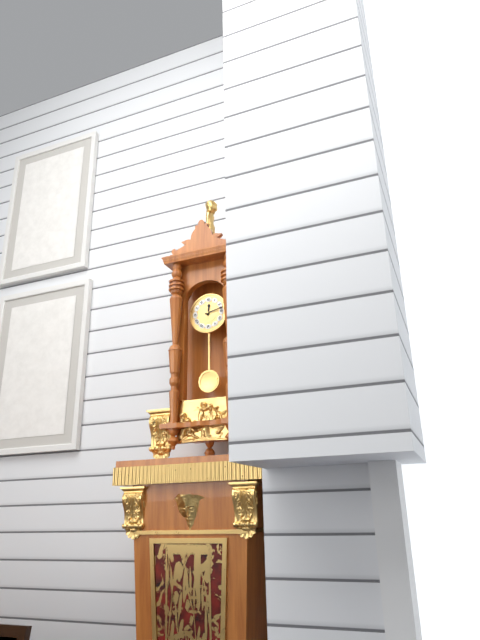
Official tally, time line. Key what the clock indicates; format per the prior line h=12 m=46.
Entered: h=12 m=13
